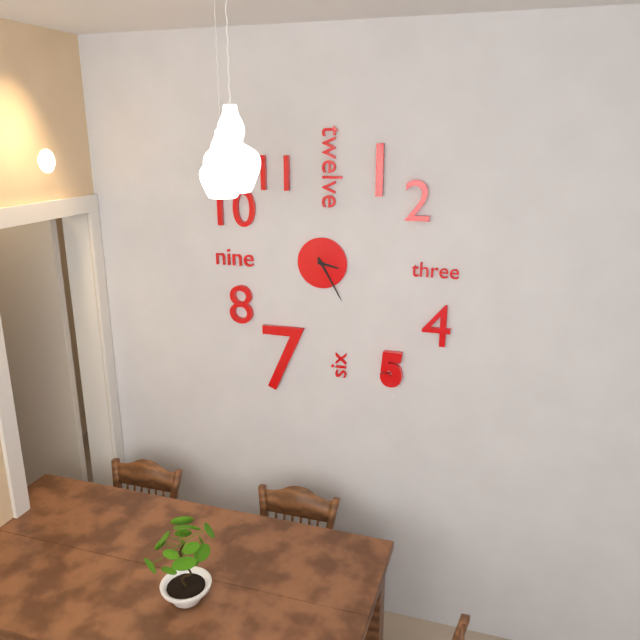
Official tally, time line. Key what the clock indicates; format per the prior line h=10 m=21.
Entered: h=3 m=25
